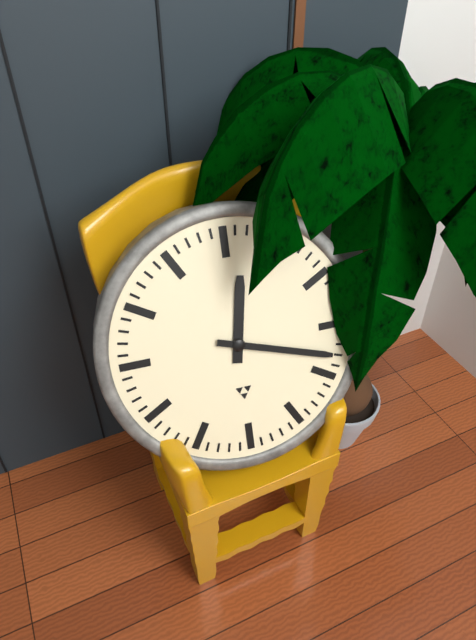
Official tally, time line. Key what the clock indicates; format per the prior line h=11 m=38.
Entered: h=12 m=18
